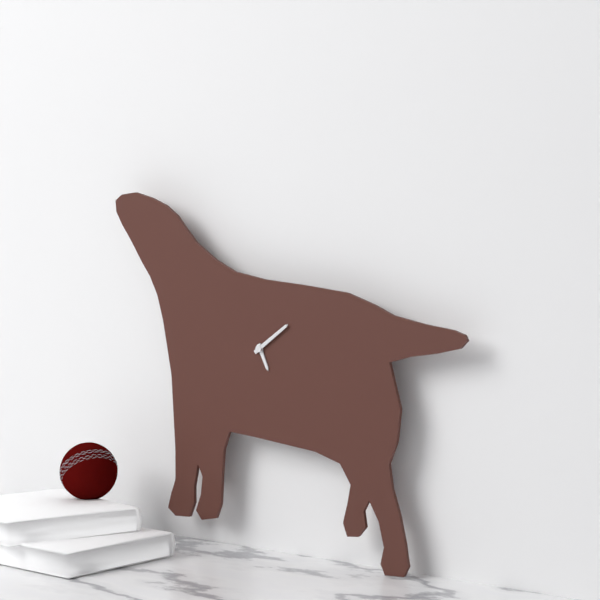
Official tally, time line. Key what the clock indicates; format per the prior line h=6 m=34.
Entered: h=5 m=9
